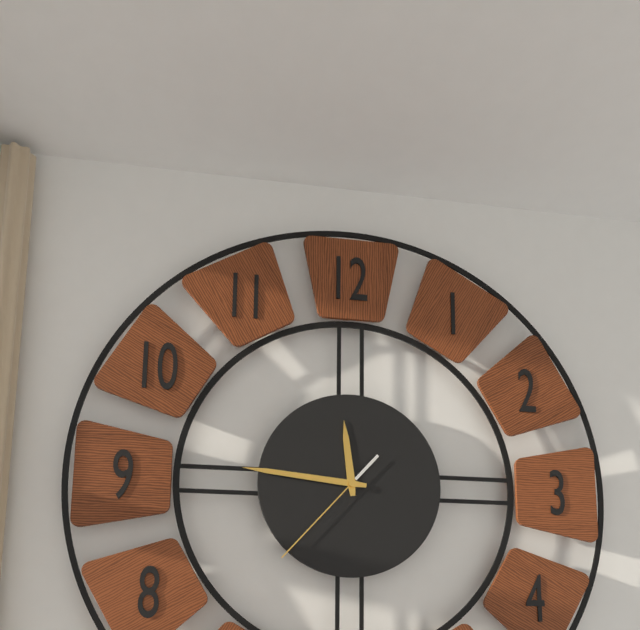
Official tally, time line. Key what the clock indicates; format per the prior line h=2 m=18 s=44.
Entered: h=11 m=46 s=37
